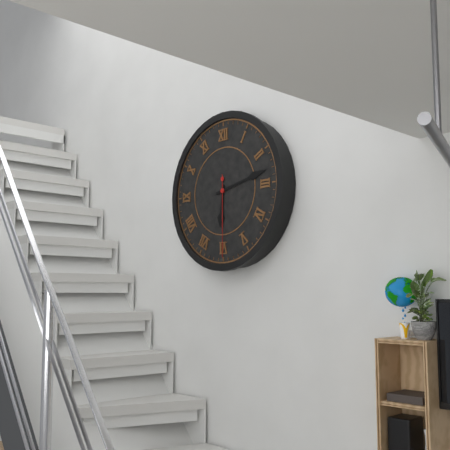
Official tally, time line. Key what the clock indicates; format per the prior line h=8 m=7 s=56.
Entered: h=6 m=13 s=30
